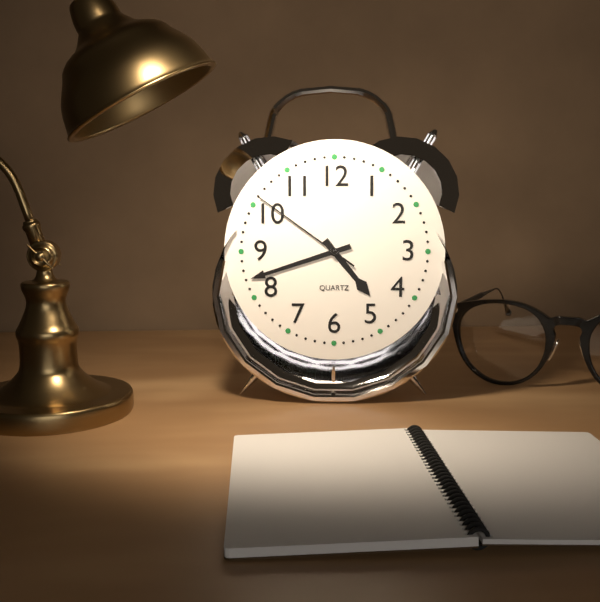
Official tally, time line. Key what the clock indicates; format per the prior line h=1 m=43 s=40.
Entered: h=4 m=42 s=51
